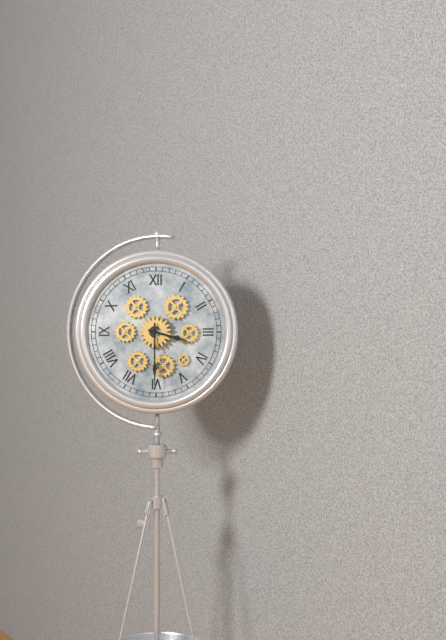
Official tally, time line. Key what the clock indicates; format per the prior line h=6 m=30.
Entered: h=3 m=30
